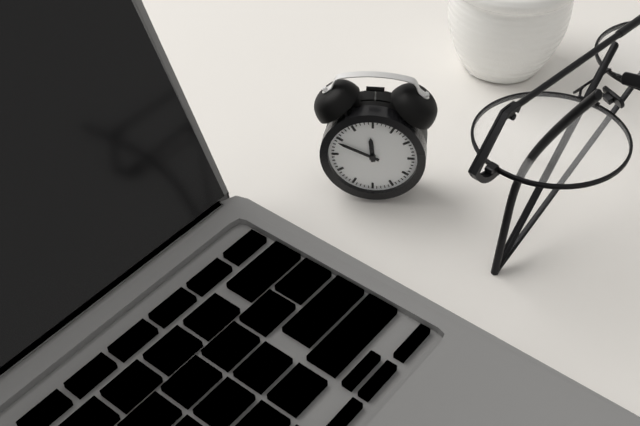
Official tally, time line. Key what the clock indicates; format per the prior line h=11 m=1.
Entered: h=11 m=49
